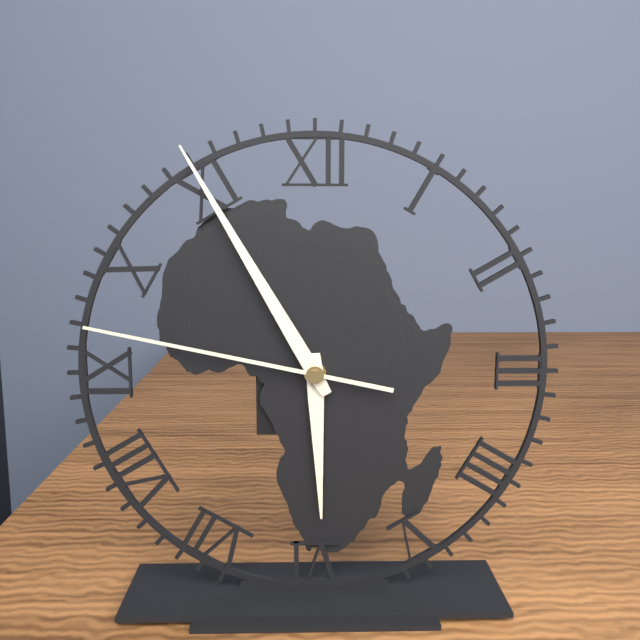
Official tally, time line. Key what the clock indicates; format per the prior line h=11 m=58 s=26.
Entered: h=5 m=55 s=47
